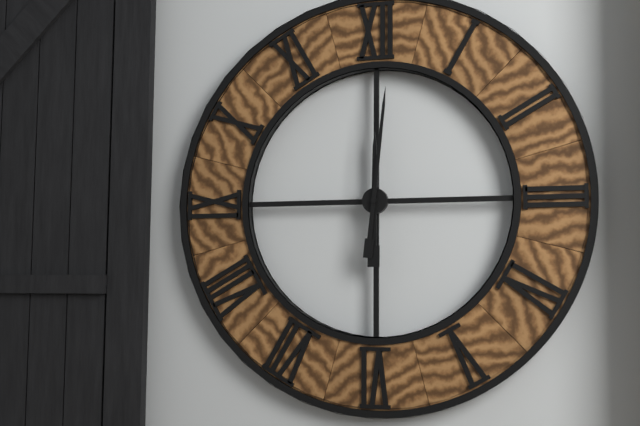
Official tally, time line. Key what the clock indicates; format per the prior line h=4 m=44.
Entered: h=12 m=1
